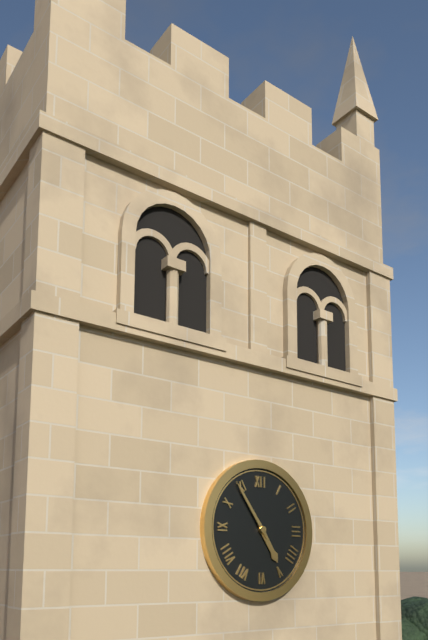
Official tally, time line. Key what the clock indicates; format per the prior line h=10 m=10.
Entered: h=4 m=54
